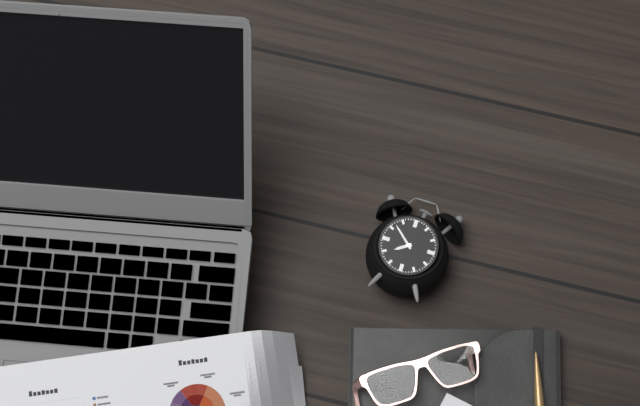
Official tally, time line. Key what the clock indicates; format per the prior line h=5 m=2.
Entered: h=7 m=52
